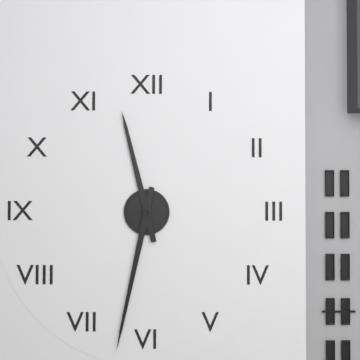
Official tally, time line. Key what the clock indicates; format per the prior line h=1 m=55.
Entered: h=11 m=32
